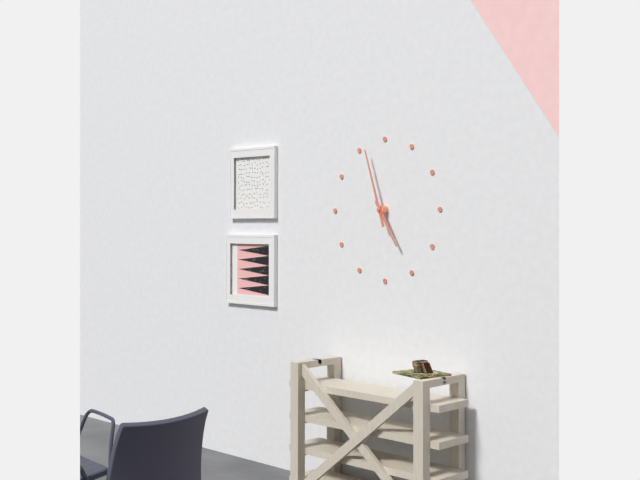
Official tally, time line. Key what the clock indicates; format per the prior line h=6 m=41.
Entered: h=4 m=57
